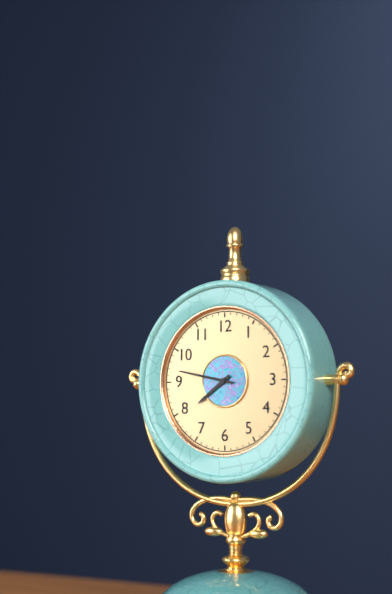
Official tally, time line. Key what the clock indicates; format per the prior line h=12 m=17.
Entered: h=7 m=47
